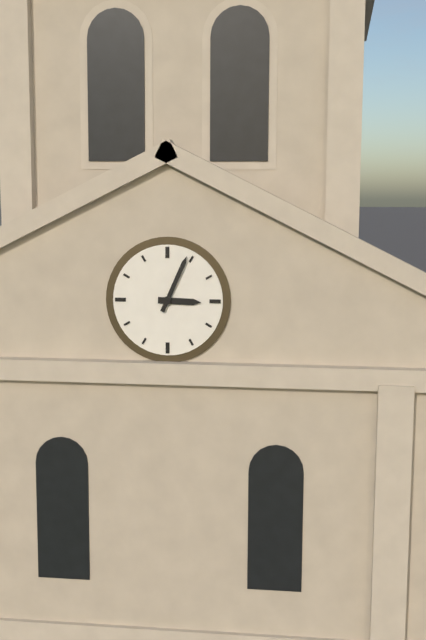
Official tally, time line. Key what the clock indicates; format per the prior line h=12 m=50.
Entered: h=3 m=4
